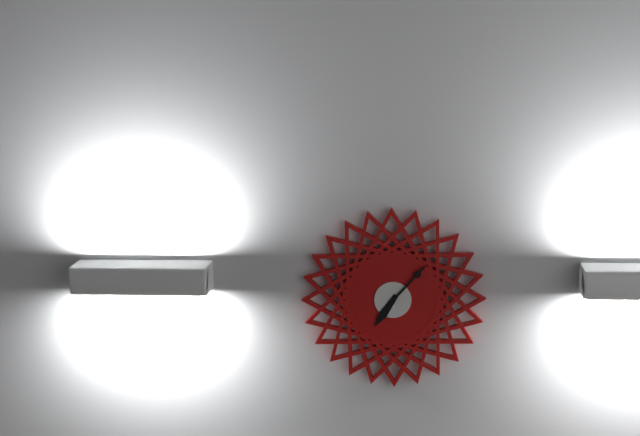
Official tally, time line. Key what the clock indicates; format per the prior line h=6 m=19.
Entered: h=7 m=7
